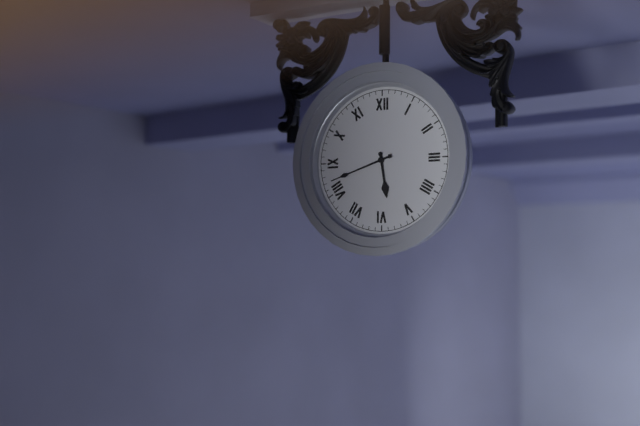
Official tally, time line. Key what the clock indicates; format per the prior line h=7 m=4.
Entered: h=5 m=42
